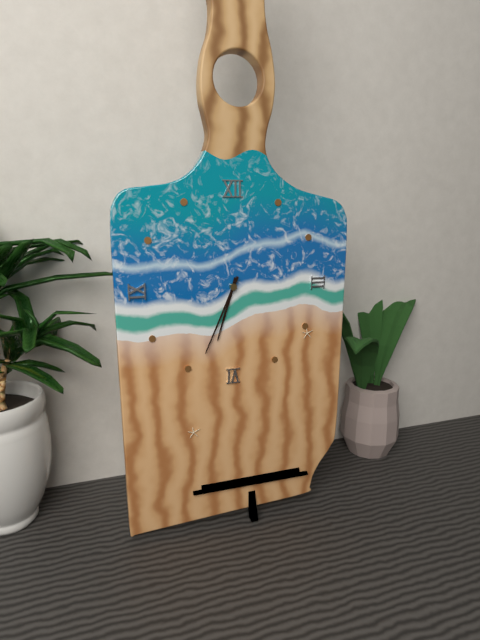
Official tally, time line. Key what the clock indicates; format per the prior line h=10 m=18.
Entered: h=6 m=34
